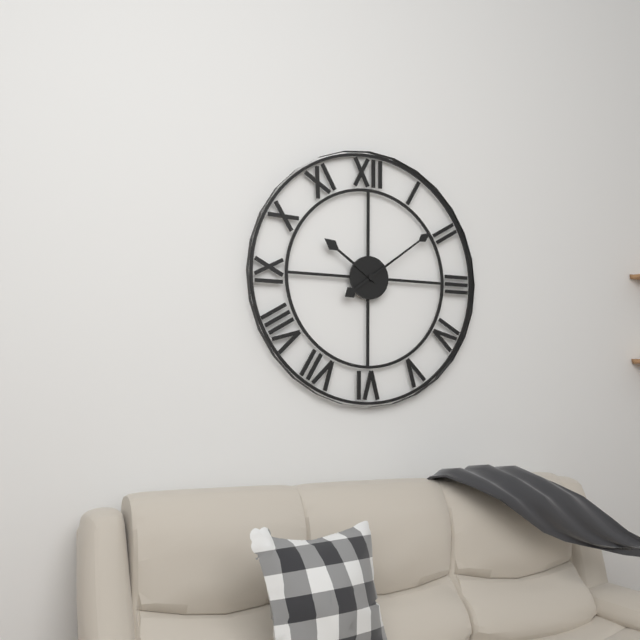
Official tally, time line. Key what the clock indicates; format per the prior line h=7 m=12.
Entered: h=10 m=9
